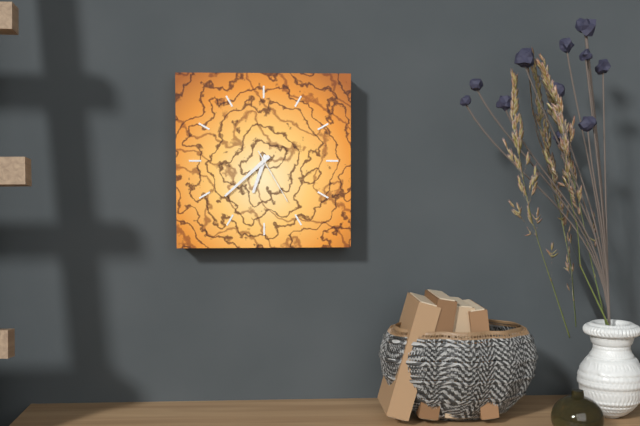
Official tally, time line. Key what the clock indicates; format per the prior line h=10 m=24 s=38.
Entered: h=6 m=38 s=25
